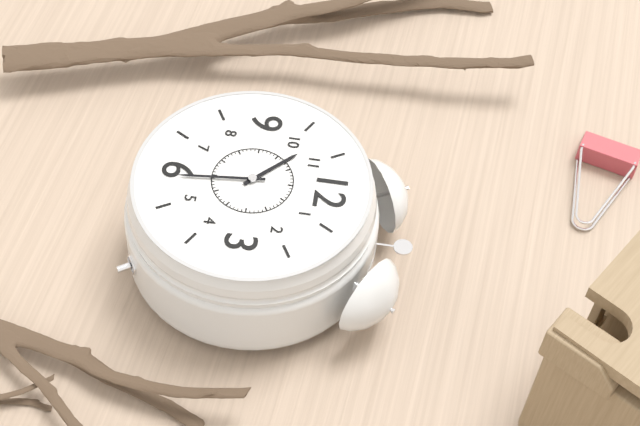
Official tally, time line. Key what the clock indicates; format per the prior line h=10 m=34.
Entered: h=10 m=29
